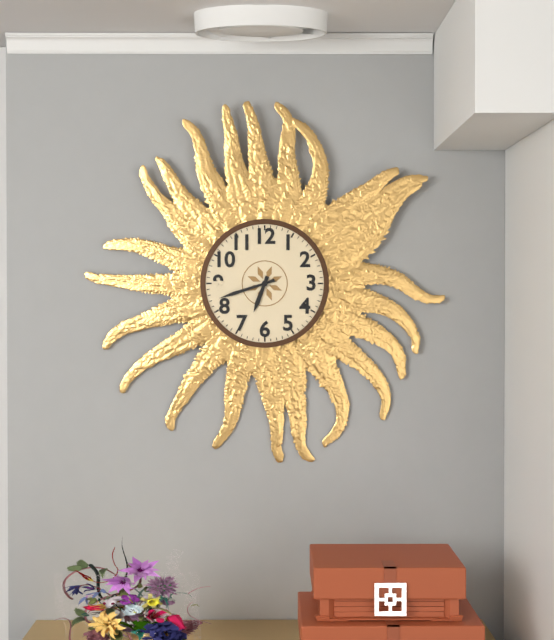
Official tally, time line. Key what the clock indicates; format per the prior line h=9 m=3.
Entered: h=6 m=42
